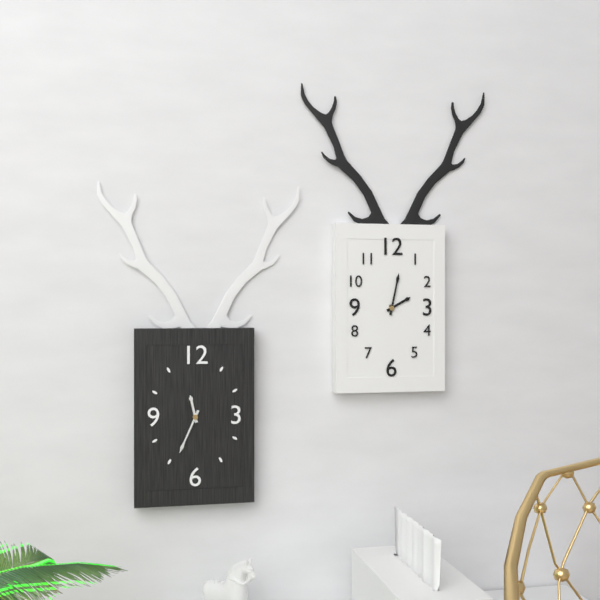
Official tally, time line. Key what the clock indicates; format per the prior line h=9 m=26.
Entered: h=11 m=34
